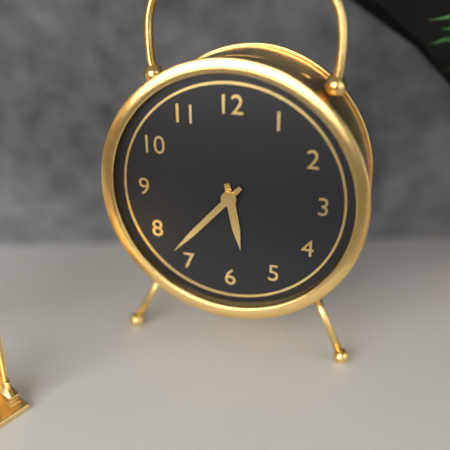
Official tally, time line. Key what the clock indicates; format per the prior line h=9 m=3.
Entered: h=5 m=37
